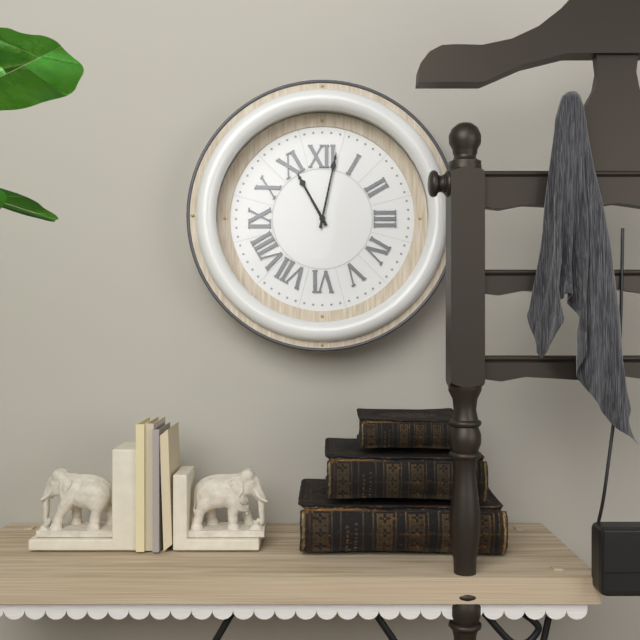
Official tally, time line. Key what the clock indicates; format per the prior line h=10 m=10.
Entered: h=11 m=2
